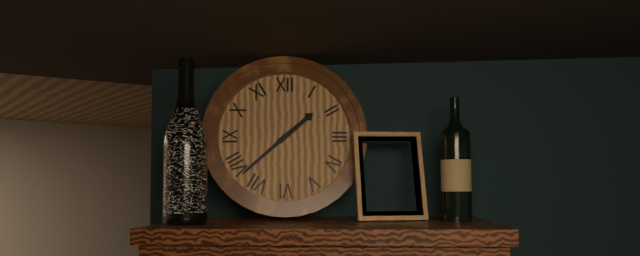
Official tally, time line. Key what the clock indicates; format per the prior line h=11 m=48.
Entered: h=1 m=38
